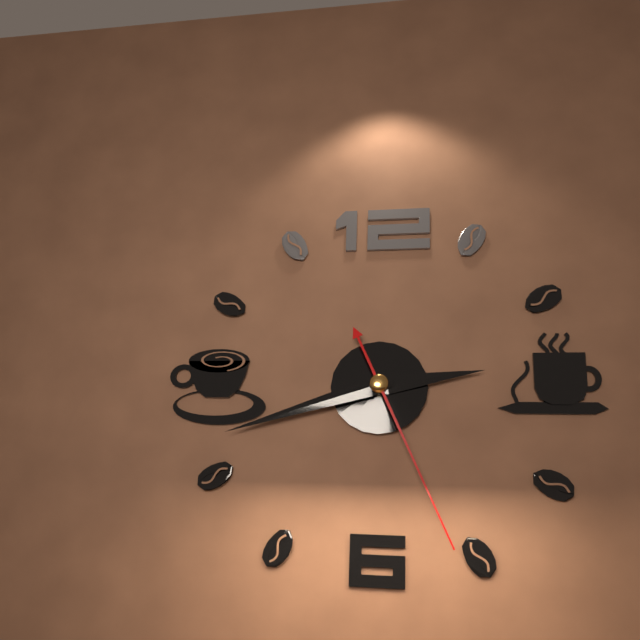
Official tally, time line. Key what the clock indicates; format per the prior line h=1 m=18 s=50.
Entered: h=2 m=42 s=26
